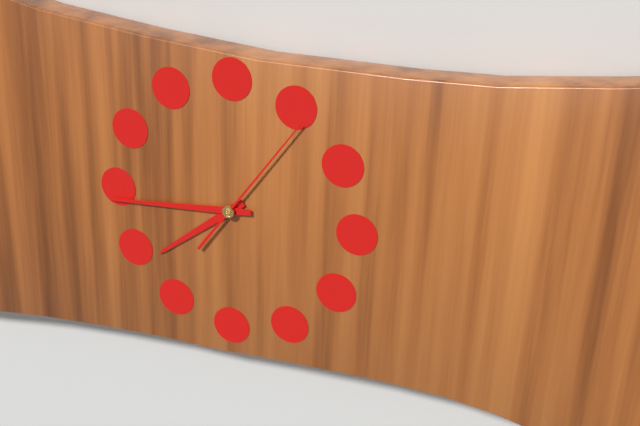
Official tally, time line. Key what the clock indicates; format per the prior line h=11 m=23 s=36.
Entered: h=7 m=44 s=6
